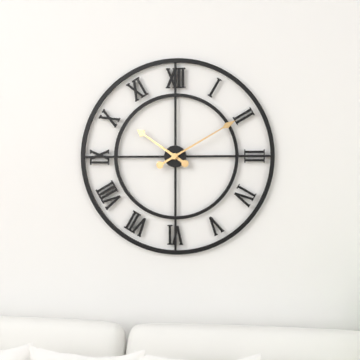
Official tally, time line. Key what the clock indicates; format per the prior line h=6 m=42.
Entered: h=10 m=10
